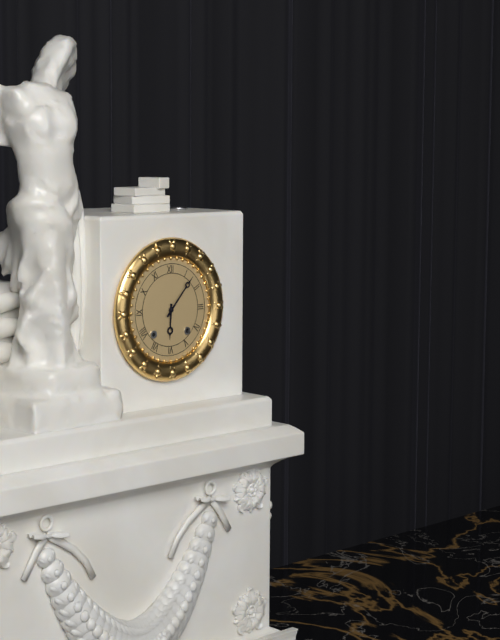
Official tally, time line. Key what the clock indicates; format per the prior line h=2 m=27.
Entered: h=6 m=7
